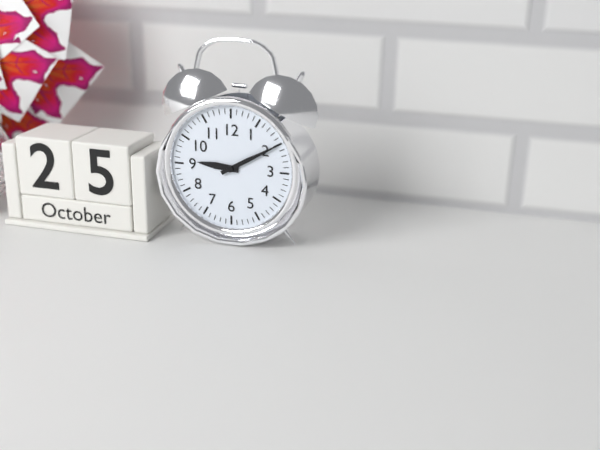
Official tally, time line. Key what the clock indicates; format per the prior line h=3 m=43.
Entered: h=9 m=10
